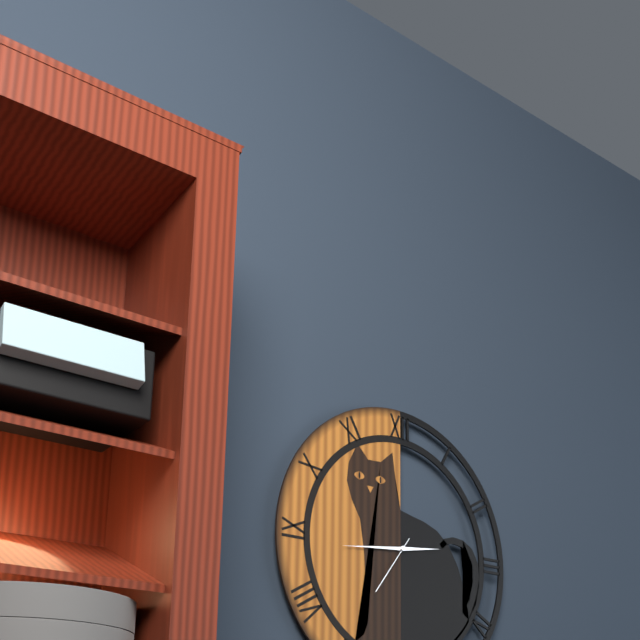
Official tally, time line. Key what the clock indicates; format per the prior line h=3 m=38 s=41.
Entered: h=2 m=44 s=36
